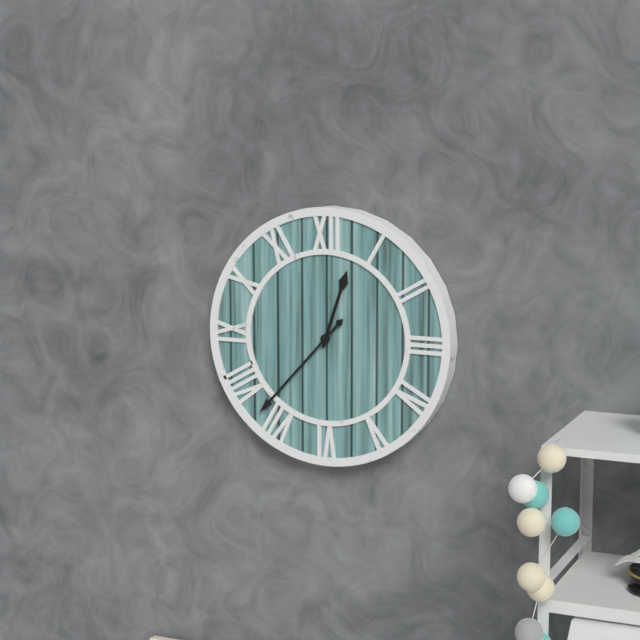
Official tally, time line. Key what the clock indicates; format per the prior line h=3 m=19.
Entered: h=12 m=37
